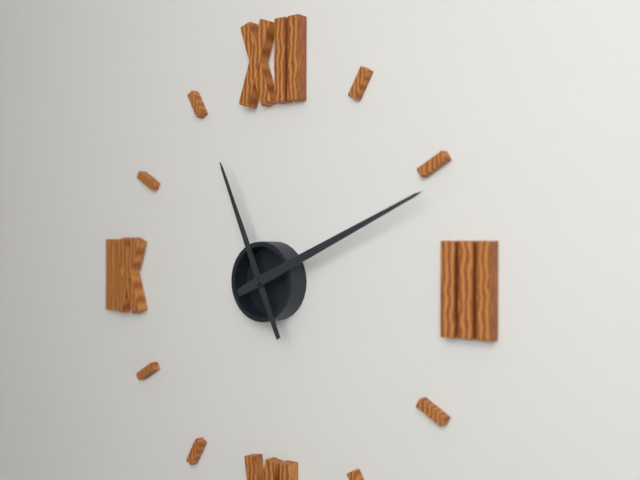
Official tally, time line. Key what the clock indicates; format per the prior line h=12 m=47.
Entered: h=11 m=11
